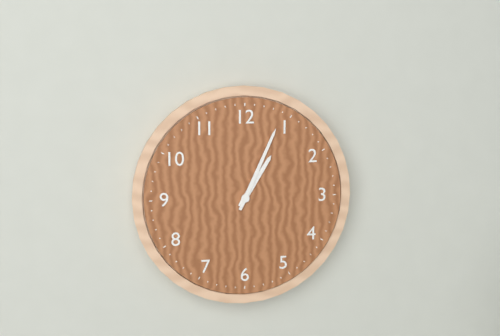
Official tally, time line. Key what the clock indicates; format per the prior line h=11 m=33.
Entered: h=1 m=4
